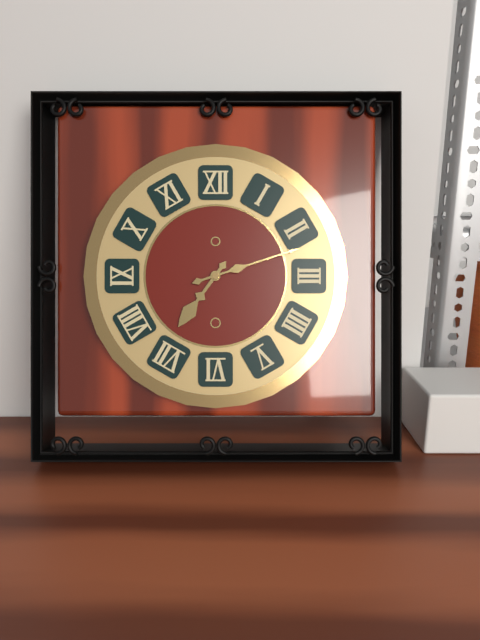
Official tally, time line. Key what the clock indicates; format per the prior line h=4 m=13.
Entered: h=7 m=12
